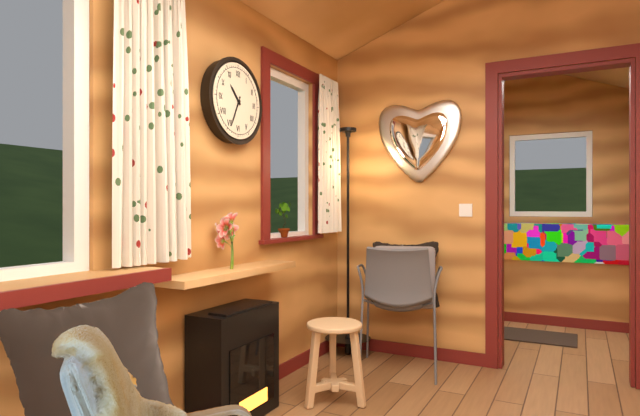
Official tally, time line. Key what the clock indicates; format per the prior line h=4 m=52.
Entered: h=10 m=34
